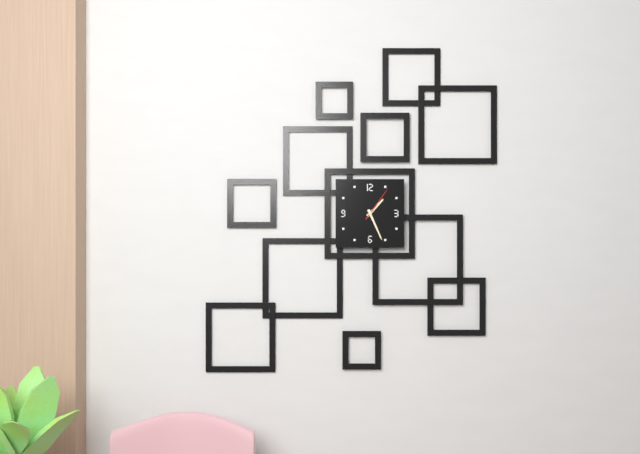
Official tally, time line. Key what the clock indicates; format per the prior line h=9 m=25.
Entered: h=1 m=26
